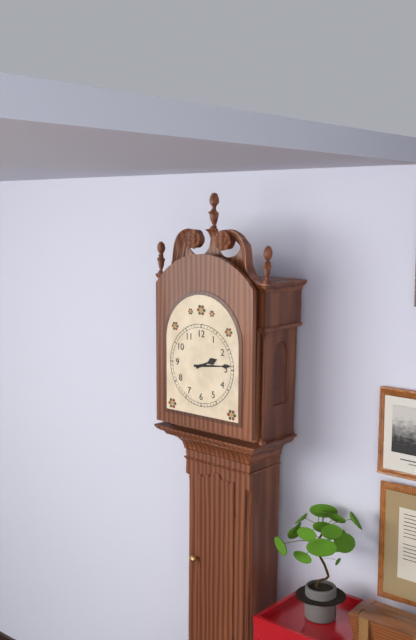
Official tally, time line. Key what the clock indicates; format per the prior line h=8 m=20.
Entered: h=2 m=14
